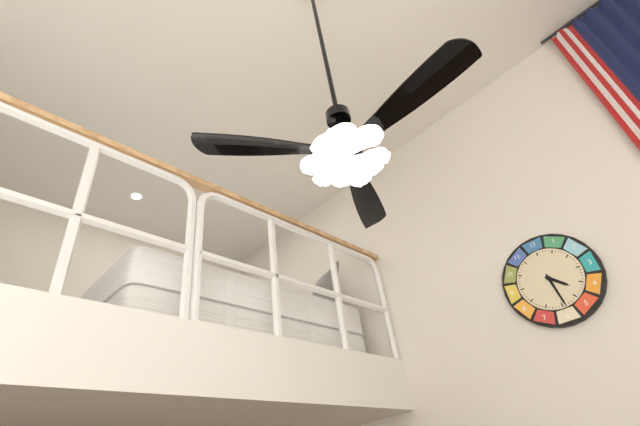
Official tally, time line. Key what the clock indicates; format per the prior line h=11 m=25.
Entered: h=4 m=29
